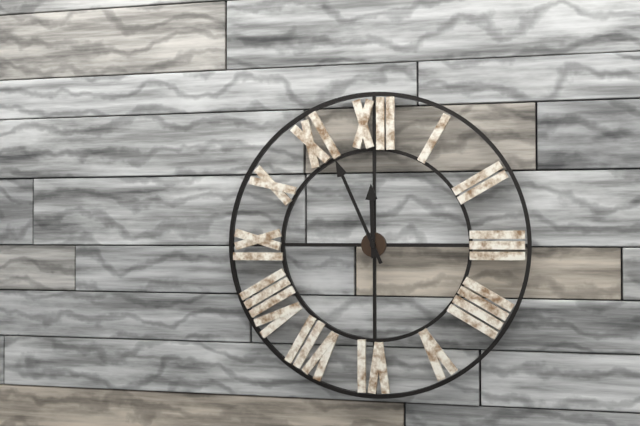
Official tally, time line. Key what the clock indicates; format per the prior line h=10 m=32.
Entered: h=11 m=56
